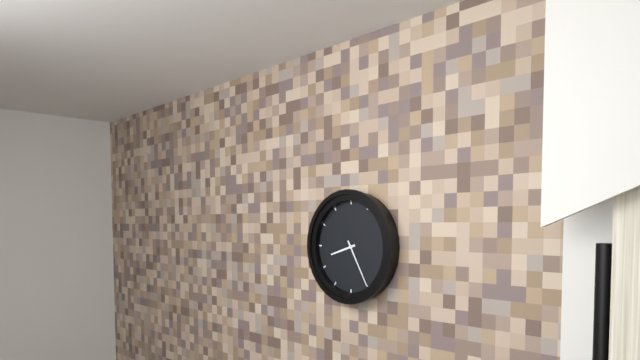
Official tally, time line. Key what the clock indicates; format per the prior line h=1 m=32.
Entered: h=8 m=25
